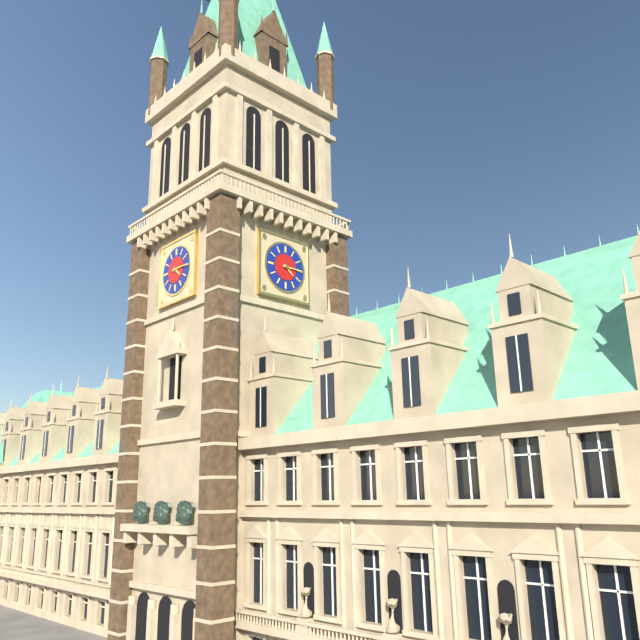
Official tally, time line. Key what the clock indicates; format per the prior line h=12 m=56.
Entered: h=4 m=15
